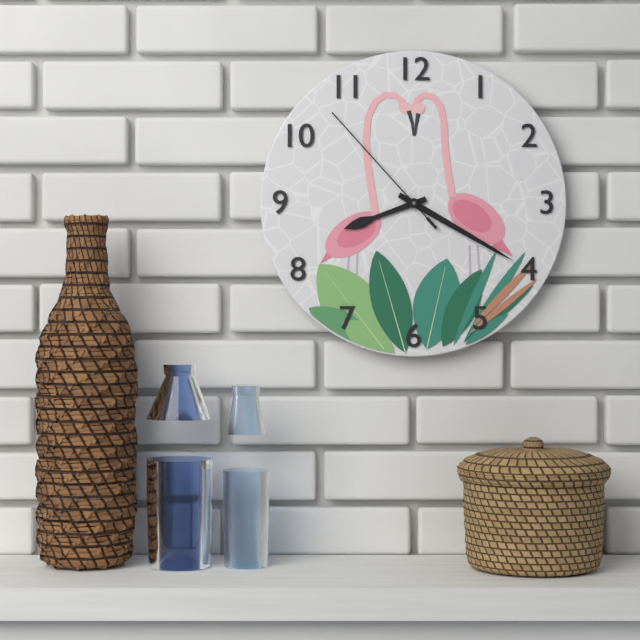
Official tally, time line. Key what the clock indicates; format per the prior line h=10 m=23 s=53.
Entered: h=8 m=20 s=53
